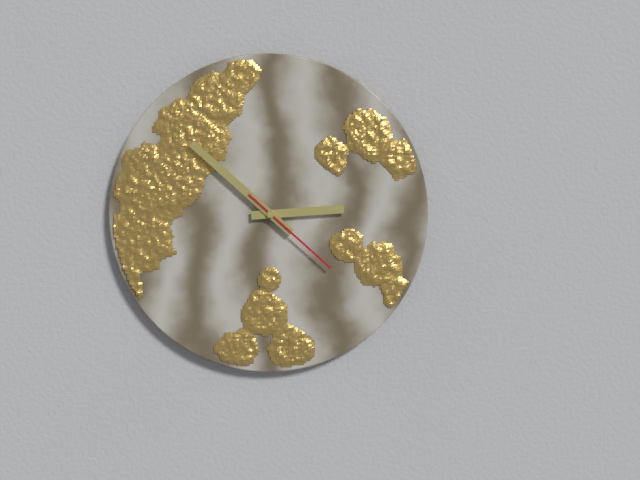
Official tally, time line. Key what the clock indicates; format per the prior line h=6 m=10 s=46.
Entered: h=2 m=52 s=22
